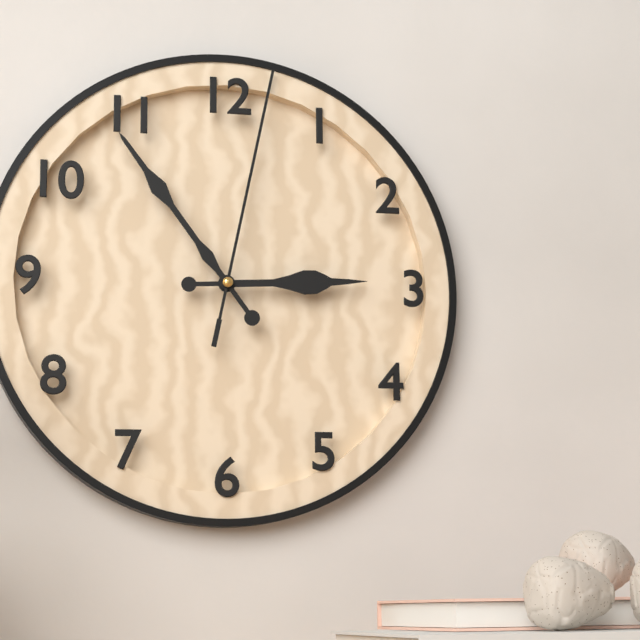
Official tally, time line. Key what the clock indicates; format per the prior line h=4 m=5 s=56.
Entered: h=2 m=54 s=2
